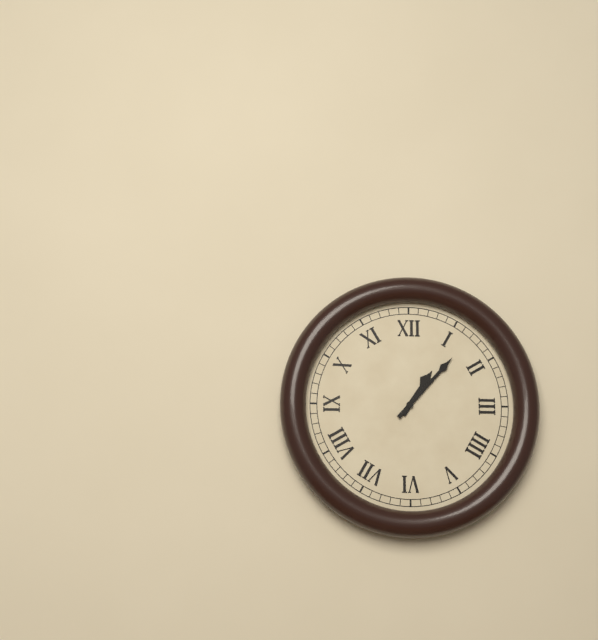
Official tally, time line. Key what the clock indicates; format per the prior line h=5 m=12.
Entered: h=1 m=7
